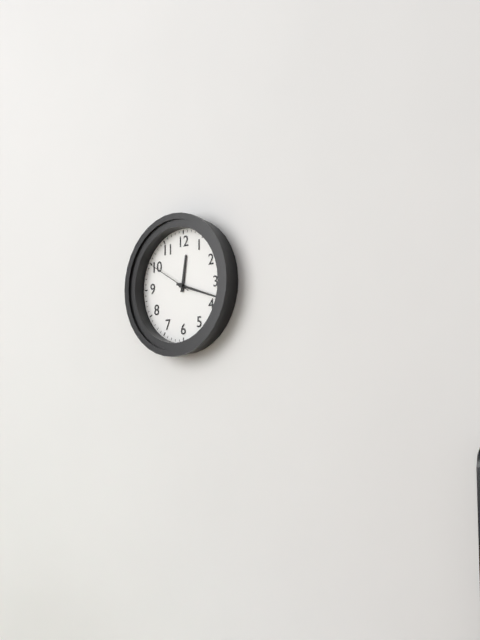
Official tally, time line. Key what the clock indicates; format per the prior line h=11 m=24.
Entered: h=12 m=18
